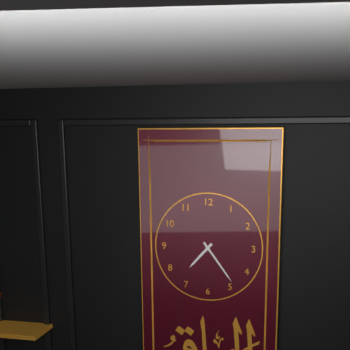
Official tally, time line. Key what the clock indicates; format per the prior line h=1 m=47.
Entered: h=7 m=24
